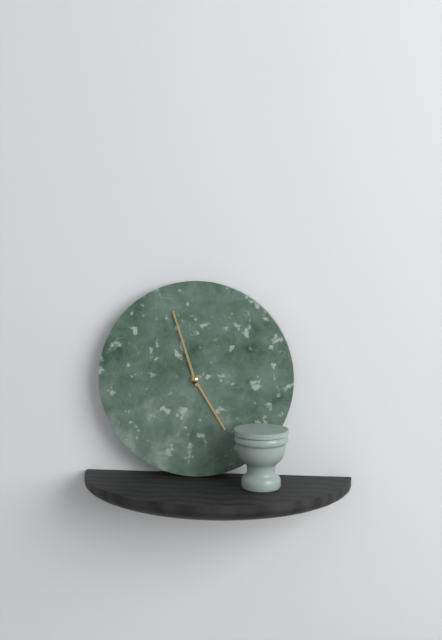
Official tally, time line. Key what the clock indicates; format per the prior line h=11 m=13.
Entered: h=4 m=57
